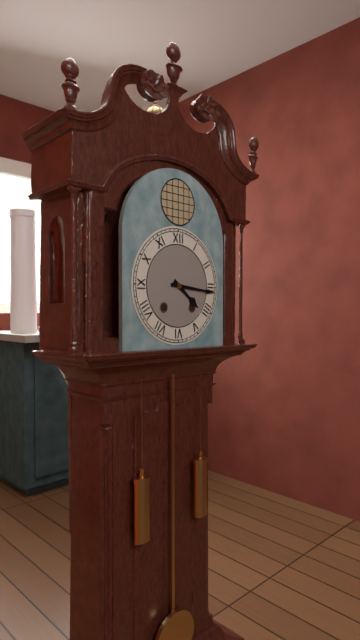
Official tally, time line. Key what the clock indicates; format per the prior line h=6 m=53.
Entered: h=4 m=16
